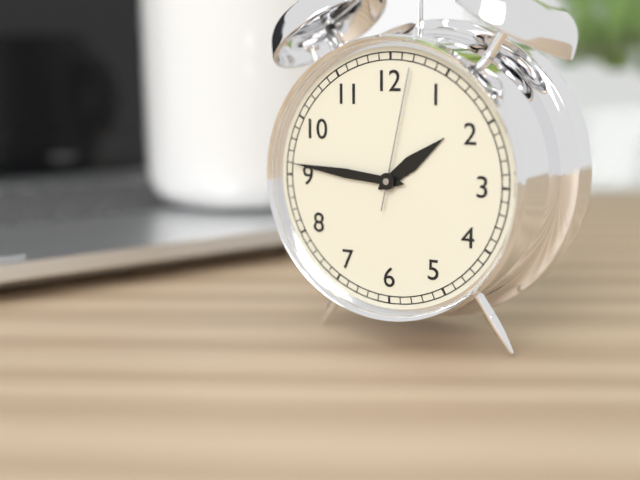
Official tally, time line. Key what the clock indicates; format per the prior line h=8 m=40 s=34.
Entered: h=1 m=46 s=2
